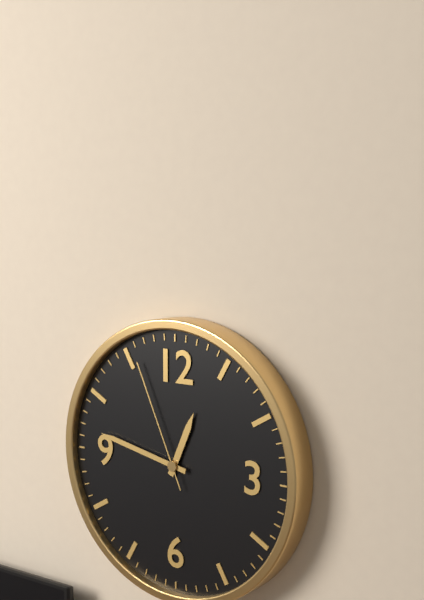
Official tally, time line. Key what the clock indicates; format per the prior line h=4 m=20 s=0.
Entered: h=12 m=47 s=56
